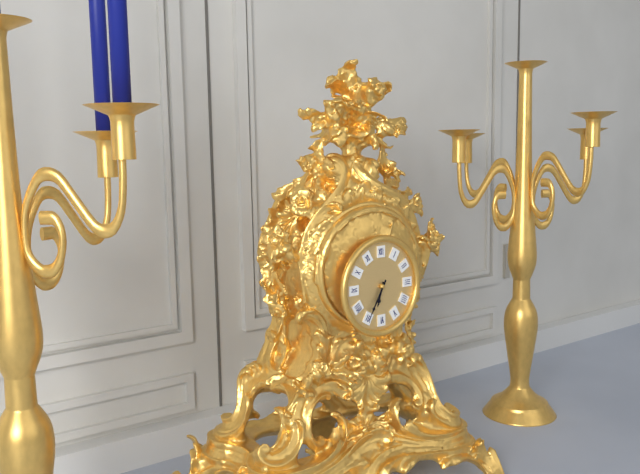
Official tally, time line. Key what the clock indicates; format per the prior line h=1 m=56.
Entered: h=6 m=35
